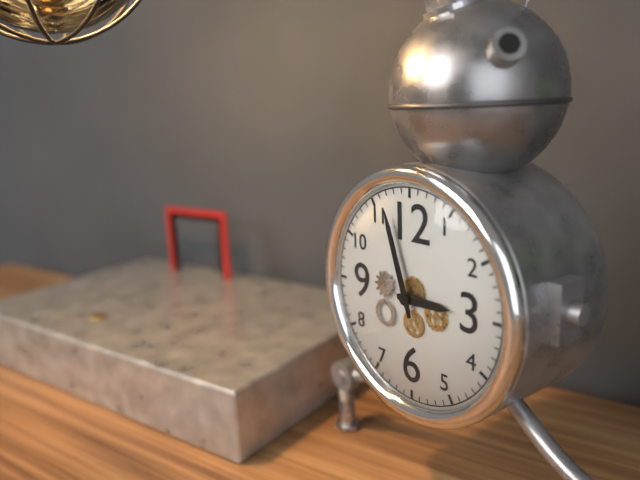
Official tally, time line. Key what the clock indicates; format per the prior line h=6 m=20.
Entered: h=2 m=57
